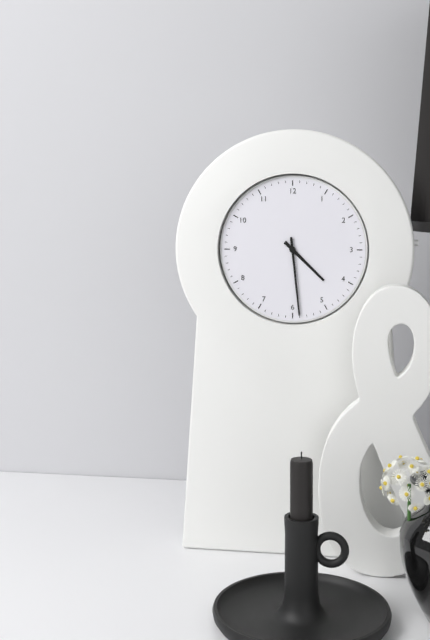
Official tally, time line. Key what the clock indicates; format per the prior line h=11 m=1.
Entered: h=4 m=29
